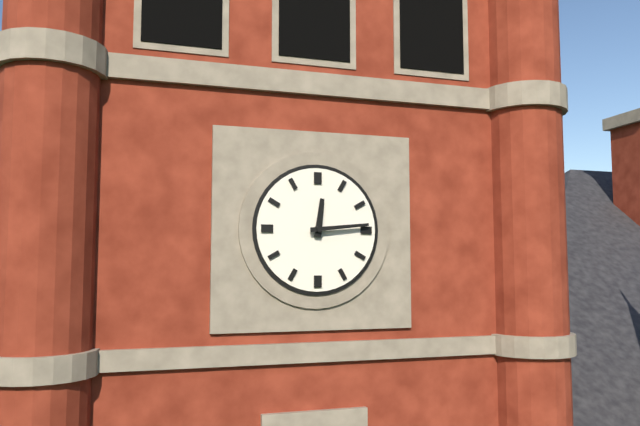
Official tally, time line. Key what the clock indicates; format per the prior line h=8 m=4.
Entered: h=12 m=14
